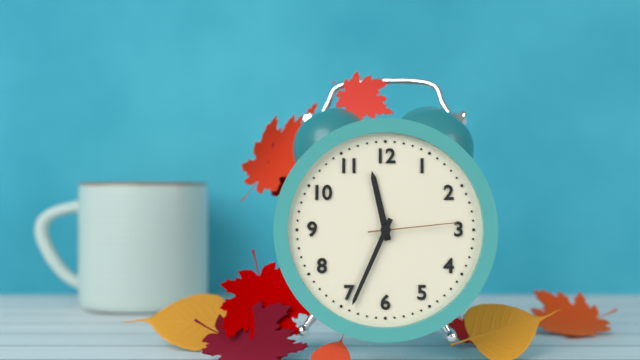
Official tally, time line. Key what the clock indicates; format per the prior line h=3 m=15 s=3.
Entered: h=11 m=34 s=14
